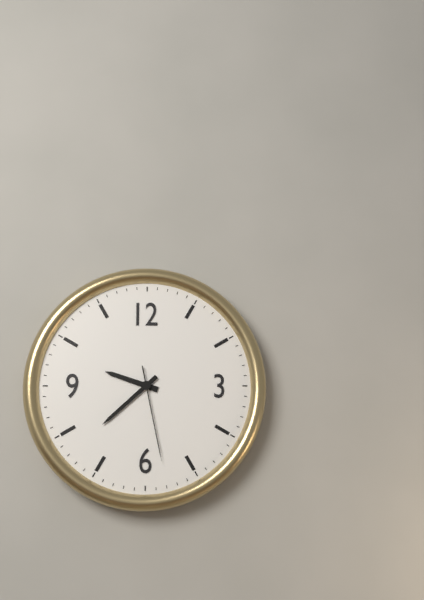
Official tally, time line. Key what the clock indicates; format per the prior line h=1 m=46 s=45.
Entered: h=9 m=38 s=28
